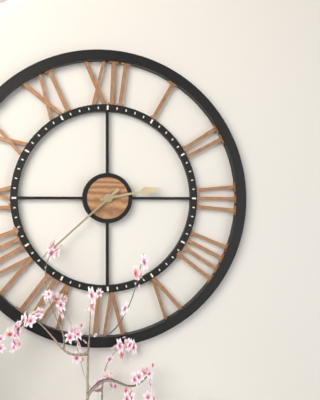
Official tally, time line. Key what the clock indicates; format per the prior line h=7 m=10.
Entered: h=2 m=38
